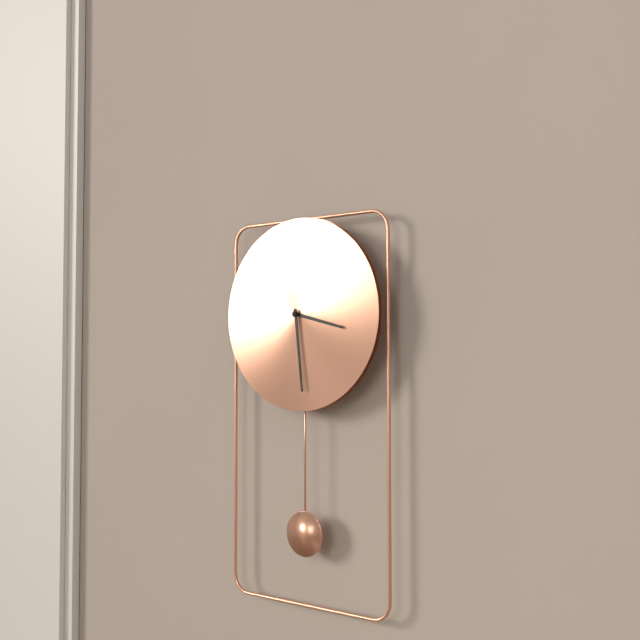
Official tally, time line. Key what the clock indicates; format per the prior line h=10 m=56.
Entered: h=3 m=29
